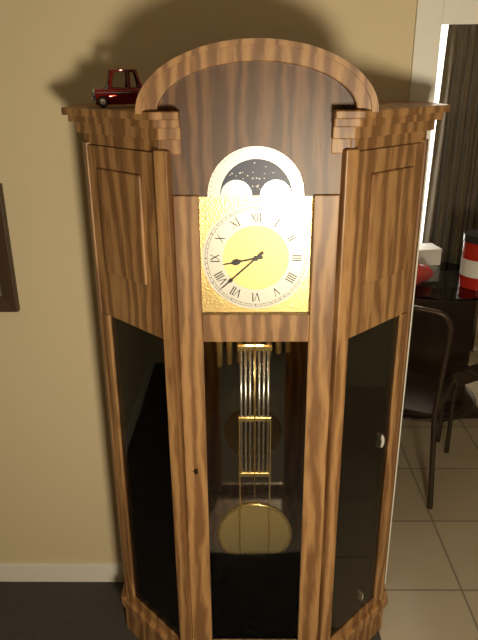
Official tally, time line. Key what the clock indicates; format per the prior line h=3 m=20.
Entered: h=8 m=38
